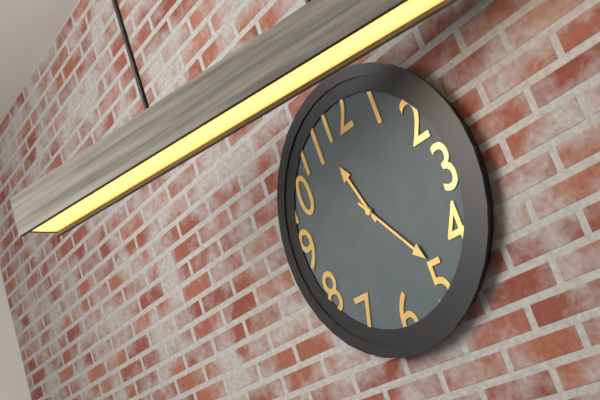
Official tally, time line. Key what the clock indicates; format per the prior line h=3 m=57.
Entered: h=11 m=24
